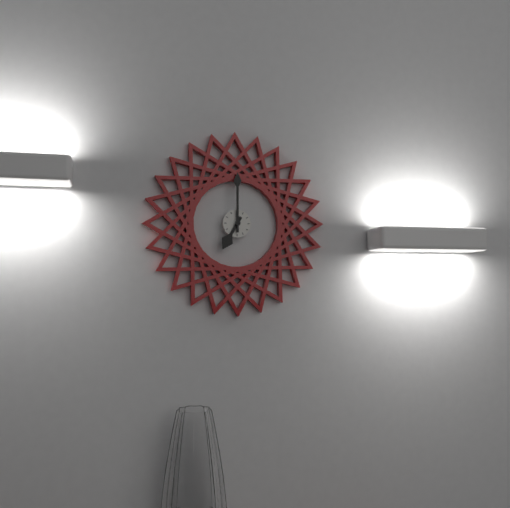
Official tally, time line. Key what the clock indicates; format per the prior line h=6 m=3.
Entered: h=7 m=0
